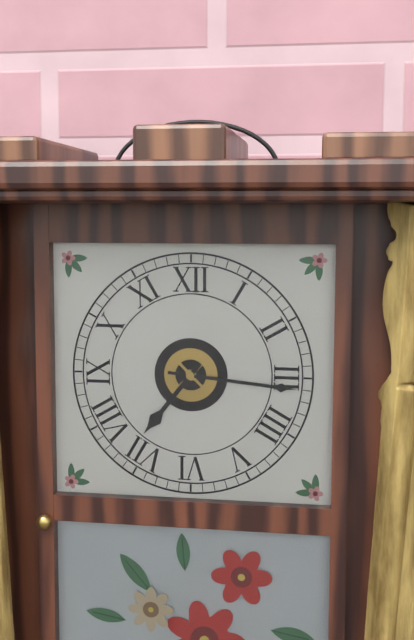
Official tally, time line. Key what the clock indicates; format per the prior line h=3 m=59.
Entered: h=7 m=16
